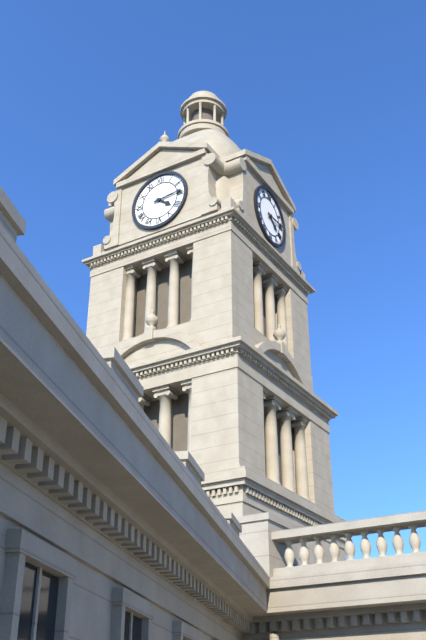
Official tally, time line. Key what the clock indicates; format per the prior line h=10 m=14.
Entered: h=4 m=14
